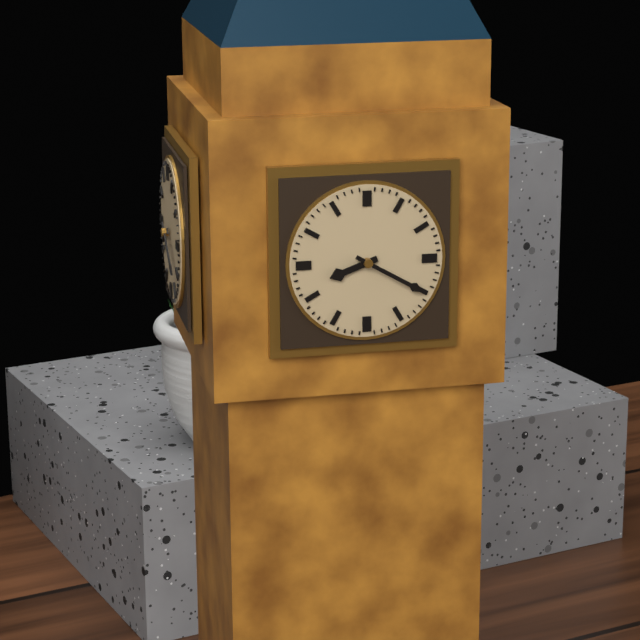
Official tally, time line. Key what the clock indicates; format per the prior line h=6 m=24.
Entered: h=8 m=20
